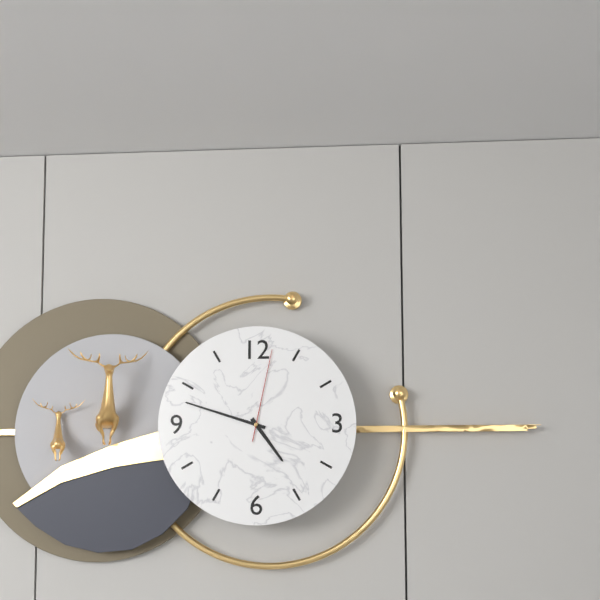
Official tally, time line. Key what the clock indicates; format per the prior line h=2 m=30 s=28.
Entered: h=4 m=48 s=2
